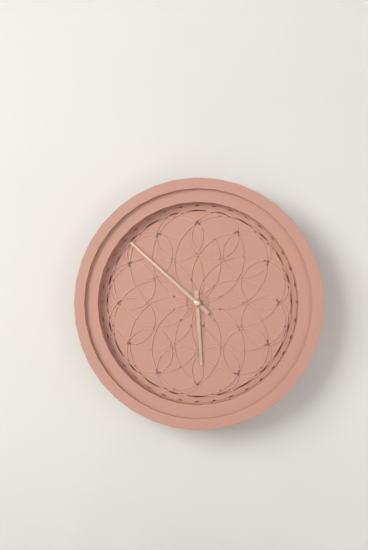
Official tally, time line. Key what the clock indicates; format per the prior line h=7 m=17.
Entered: h=5 m=52
